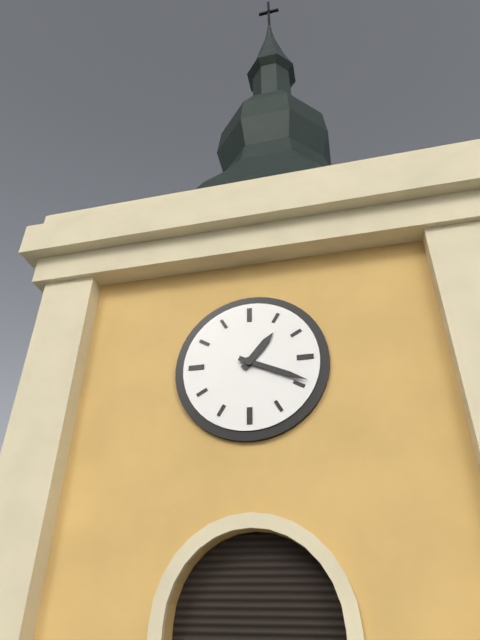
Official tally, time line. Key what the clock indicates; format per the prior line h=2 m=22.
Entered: h=1 m=19
